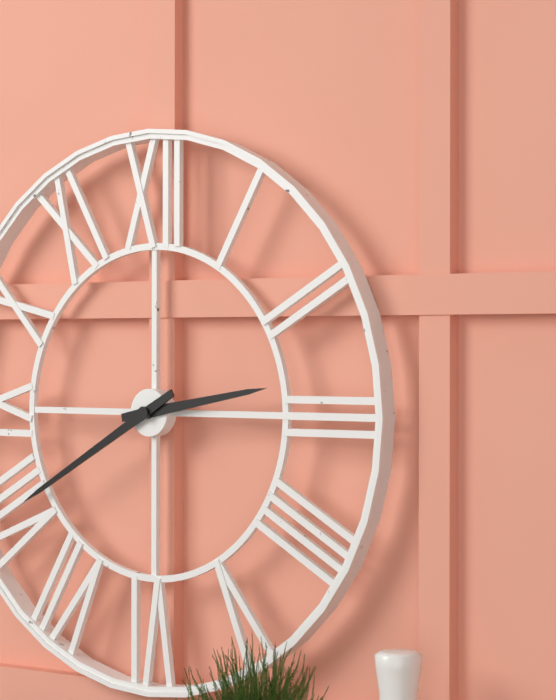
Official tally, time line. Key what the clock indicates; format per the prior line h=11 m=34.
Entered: h=2 m=40
